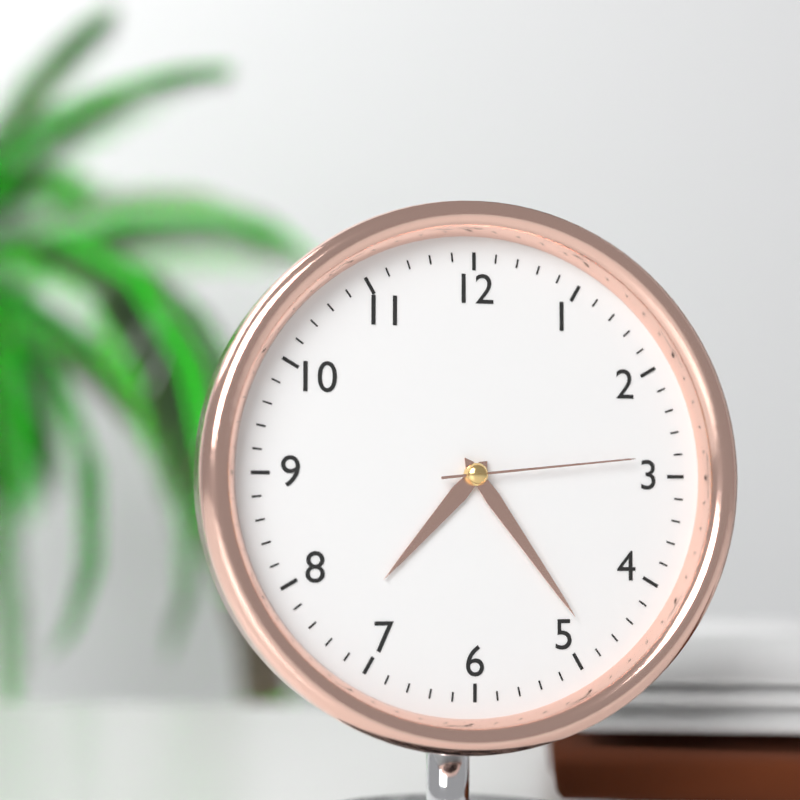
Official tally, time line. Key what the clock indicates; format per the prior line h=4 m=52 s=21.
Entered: h=7 m=24 s=14
